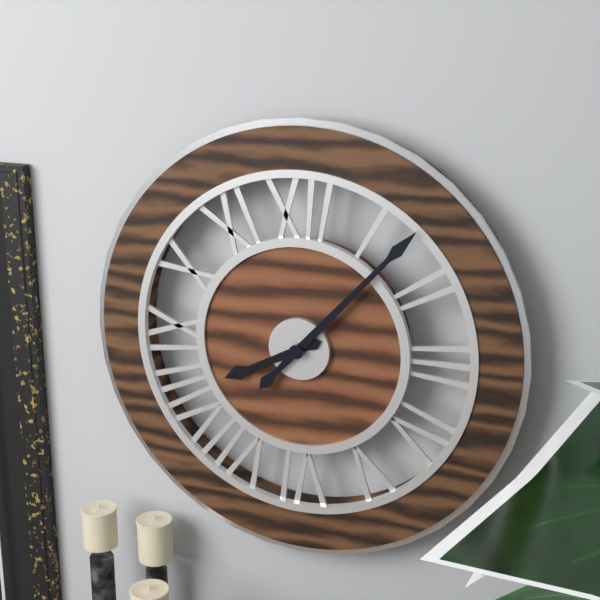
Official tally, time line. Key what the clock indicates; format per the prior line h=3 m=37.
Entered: h=8 m=7
